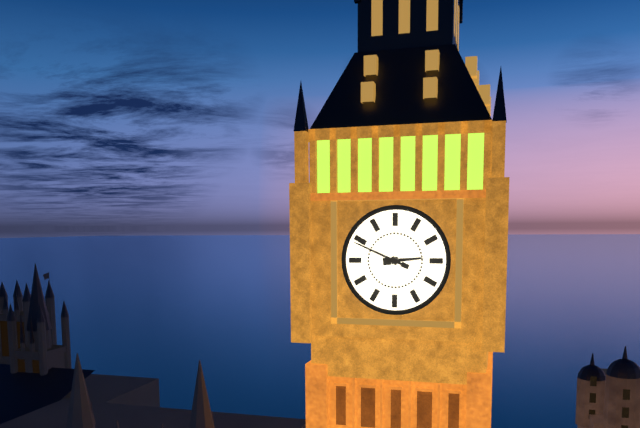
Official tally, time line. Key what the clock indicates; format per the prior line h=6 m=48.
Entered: h=2 m=49
